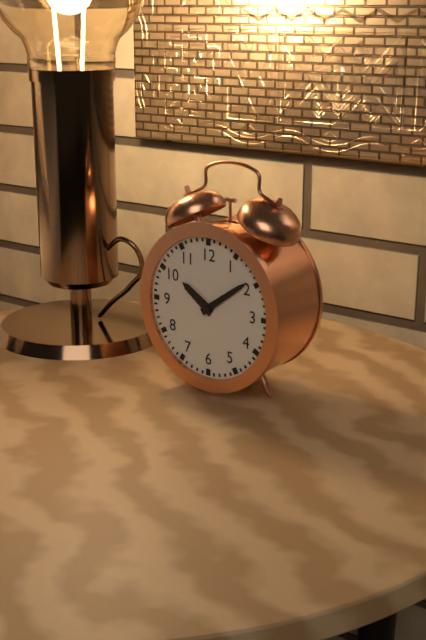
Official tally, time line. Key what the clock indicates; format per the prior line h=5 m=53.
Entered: h=10 m=9
